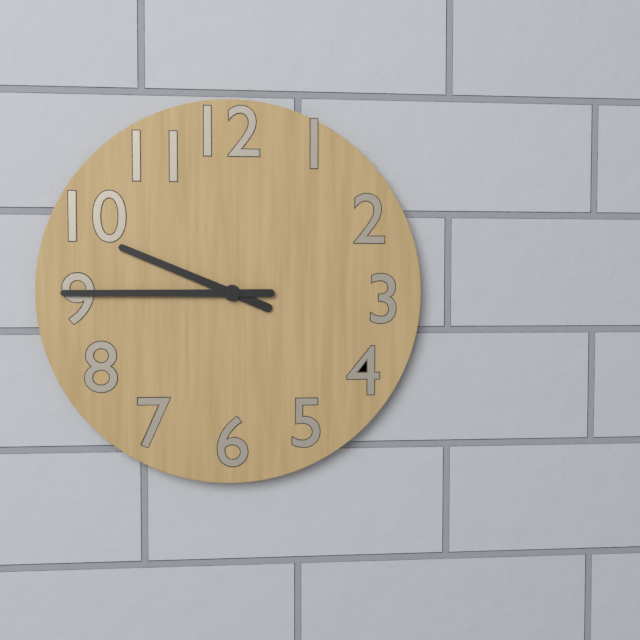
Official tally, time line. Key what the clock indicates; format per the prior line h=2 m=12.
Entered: h=9 m=45
